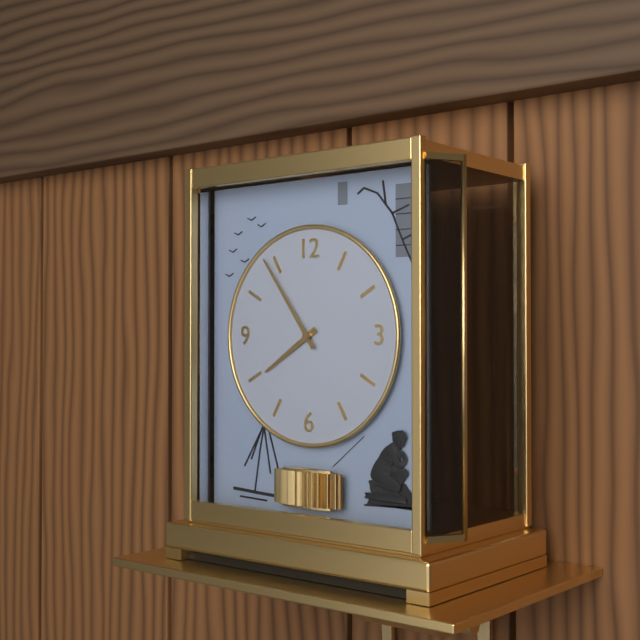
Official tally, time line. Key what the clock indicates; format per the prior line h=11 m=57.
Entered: h=7 m=54
